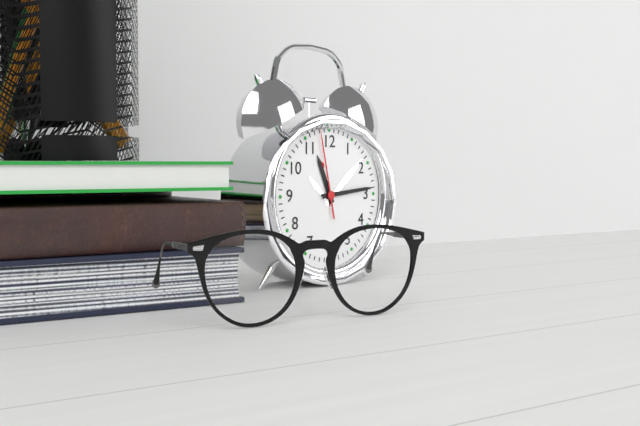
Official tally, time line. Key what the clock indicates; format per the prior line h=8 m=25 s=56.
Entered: h=11 m=14 s=58
